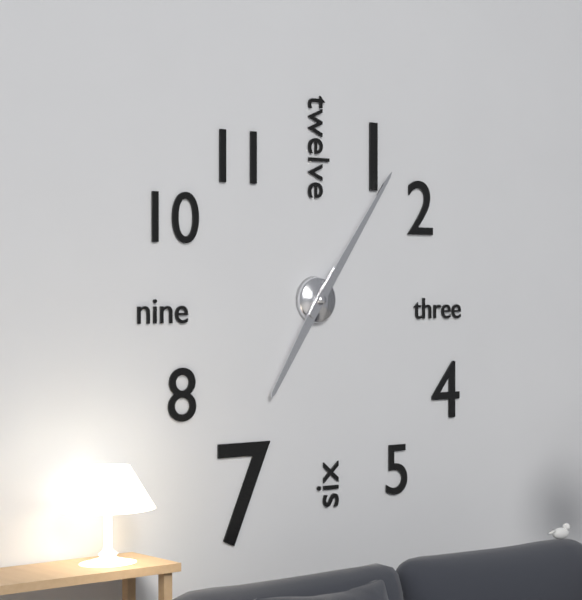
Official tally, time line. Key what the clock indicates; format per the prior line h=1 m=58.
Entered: h=7 m=6
